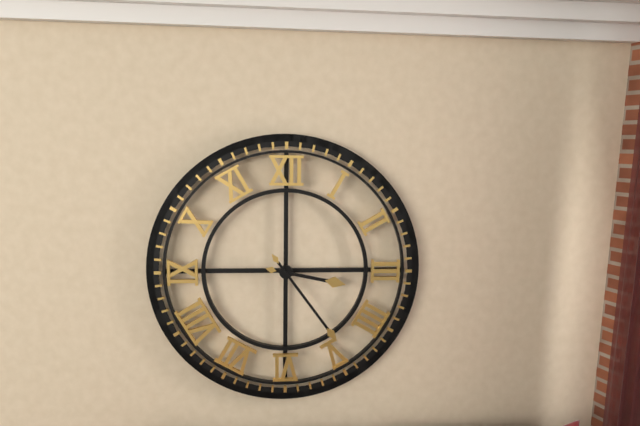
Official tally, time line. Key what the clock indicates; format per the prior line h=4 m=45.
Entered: h=3 m=24
